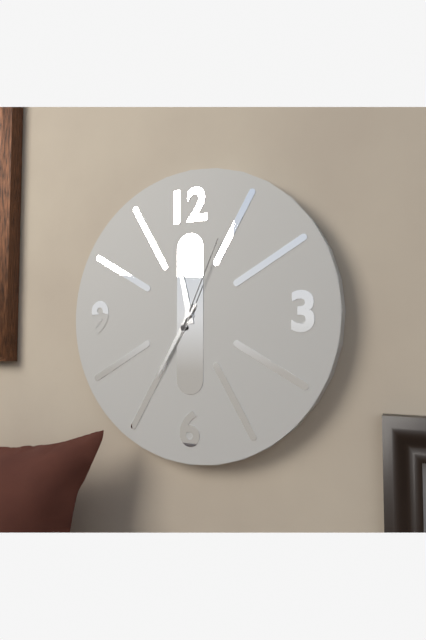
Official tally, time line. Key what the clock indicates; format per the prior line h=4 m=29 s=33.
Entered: h=11 m=35 s=4
